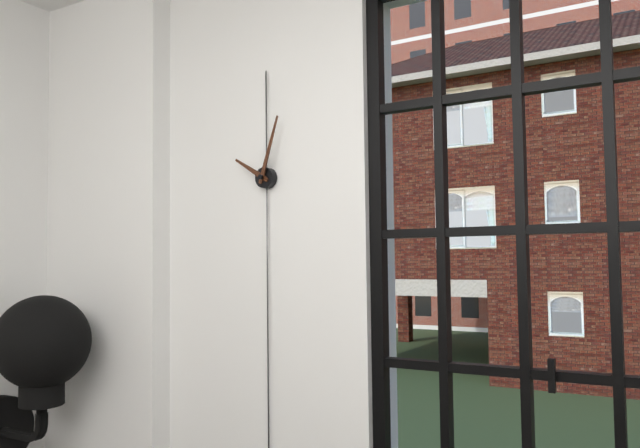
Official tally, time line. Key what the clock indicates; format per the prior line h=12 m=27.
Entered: h=10 m=3
